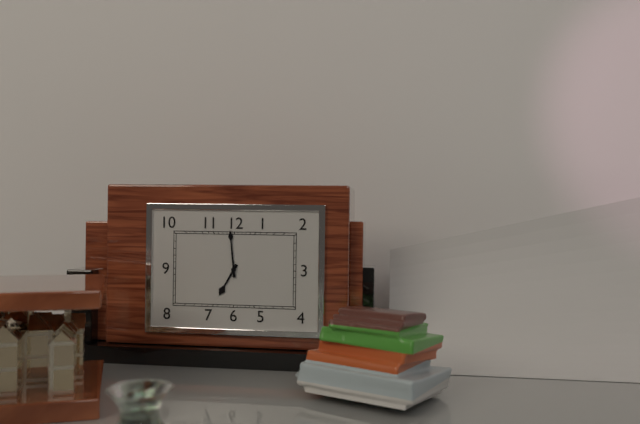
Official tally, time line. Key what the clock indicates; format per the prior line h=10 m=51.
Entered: h=6 m=59
